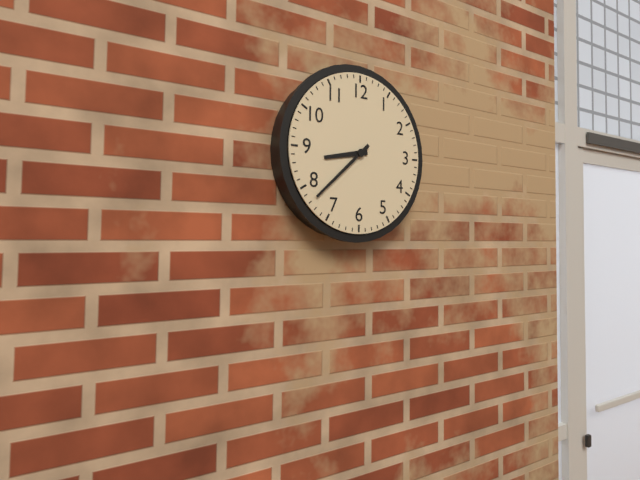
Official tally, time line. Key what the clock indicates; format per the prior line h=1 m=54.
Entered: h=8 m=38
